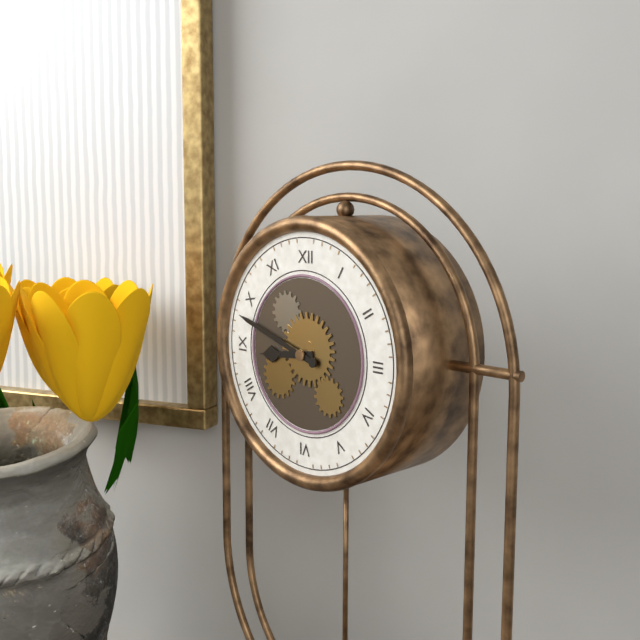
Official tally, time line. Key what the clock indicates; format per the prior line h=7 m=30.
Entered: h=8 m=48
